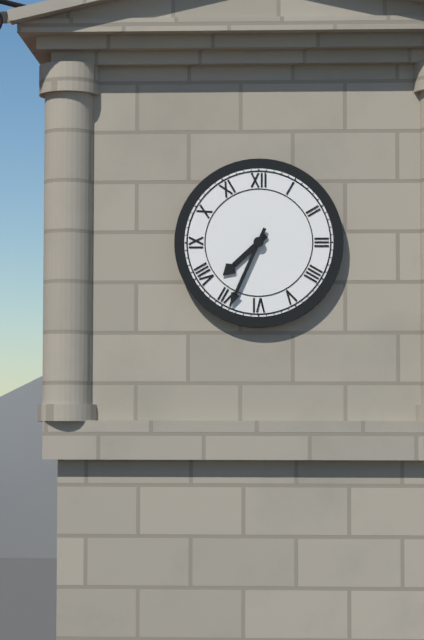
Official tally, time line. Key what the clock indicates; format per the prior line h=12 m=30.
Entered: h=7 m=34
